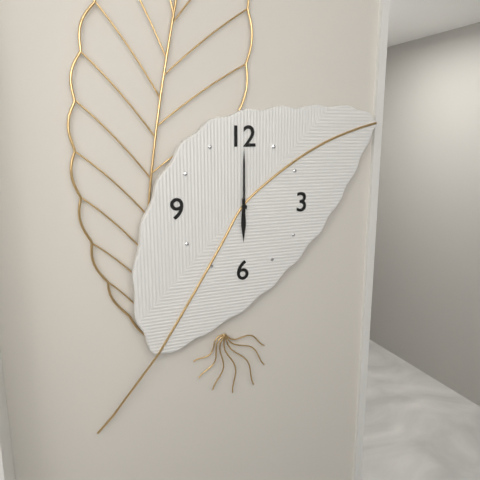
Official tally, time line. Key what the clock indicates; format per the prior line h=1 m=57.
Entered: h=6 m=0
